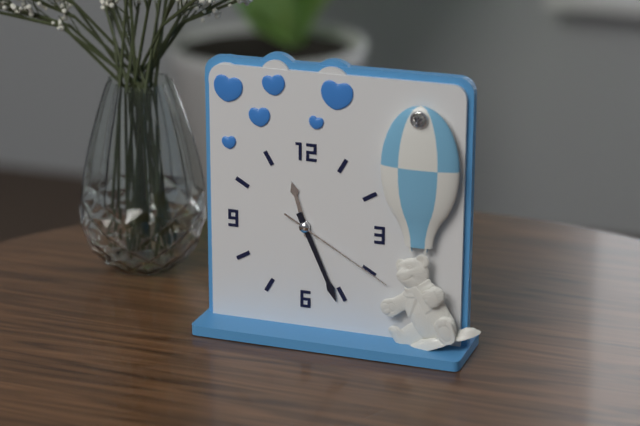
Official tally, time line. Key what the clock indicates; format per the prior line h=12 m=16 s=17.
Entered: h=11 m=26 s=20
